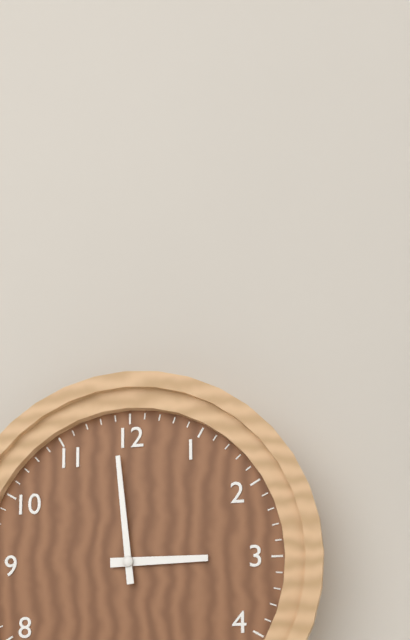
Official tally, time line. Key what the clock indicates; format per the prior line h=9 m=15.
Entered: h=2 m=59
